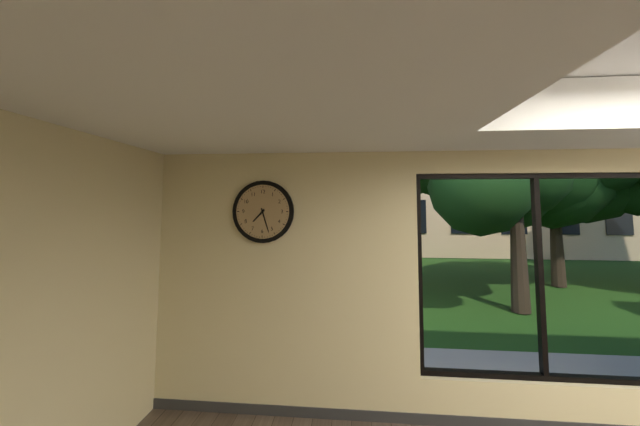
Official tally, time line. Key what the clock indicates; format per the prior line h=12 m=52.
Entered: h=7 m=27
